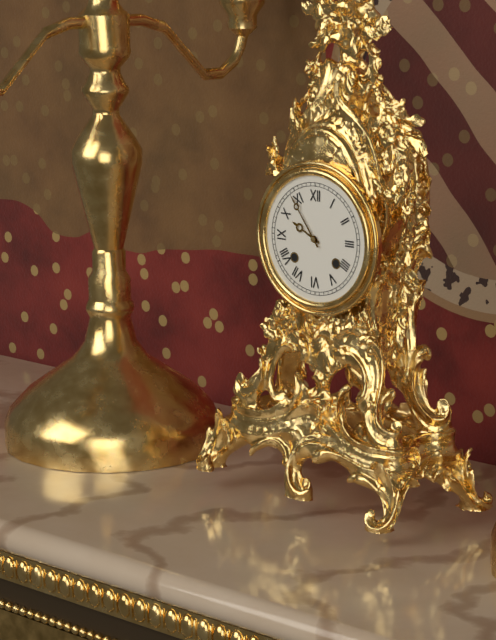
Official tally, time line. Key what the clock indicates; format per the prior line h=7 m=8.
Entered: h=9 m=54
